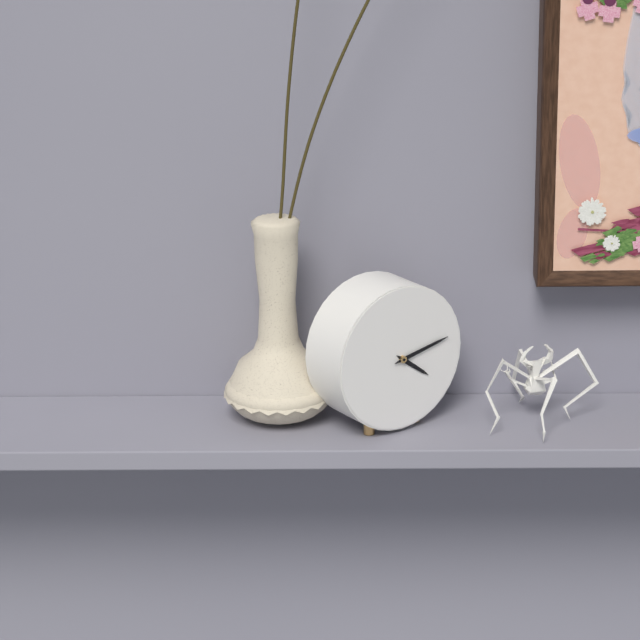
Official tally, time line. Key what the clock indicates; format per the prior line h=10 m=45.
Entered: h=4 m=13
